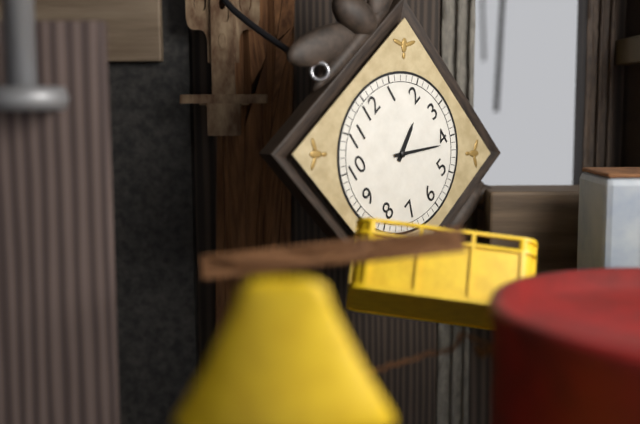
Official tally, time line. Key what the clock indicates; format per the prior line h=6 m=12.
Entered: h=2 m=21
